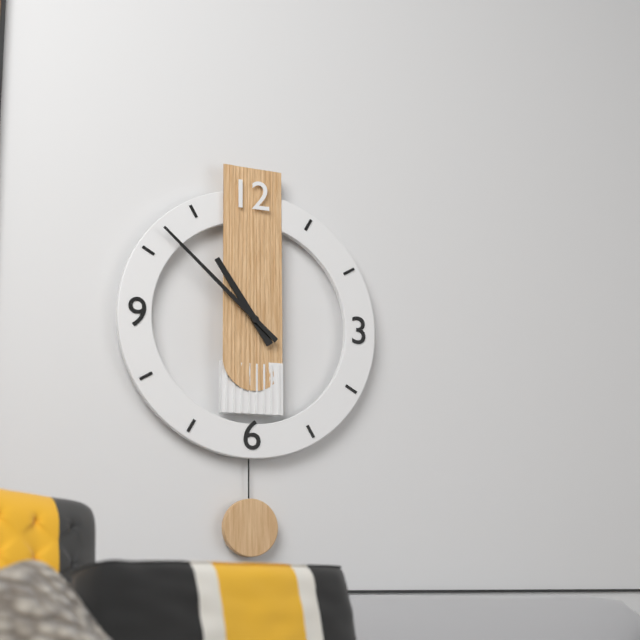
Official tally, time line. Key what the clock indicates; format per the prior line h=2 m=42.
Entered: h=10 m=52
